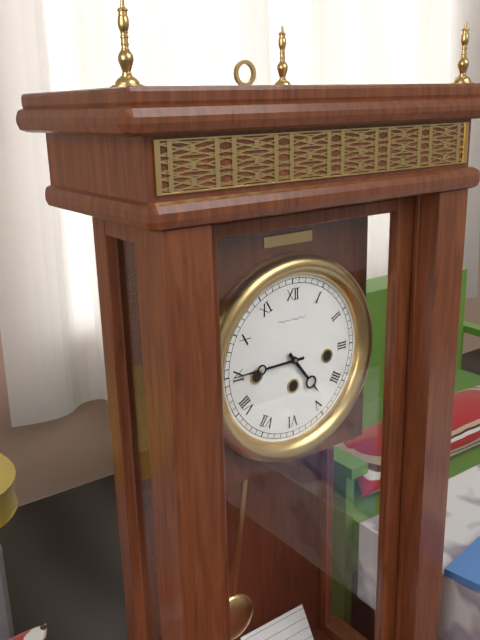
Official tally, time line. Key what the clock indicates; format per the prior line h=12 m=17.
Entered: h=4 m=45
